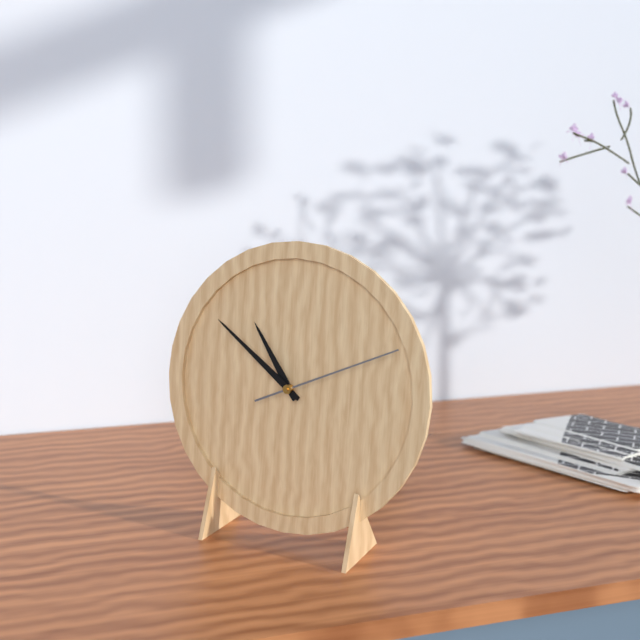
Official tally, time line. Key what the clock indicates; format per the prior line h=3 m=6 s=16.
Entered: h=10 m=51 s=11
